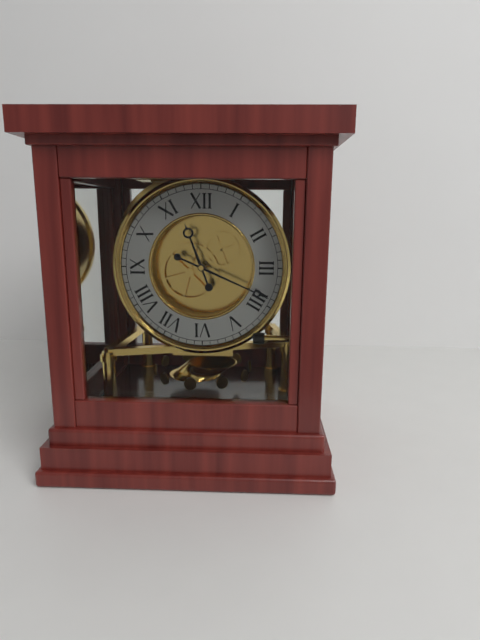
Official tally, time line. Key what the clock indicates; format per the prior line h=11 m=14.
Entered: h=11 m=19
